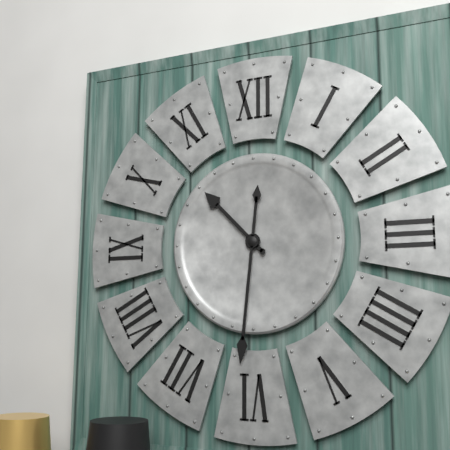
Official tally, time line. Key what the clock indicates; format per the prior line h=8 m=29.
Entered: h=10 m=31
